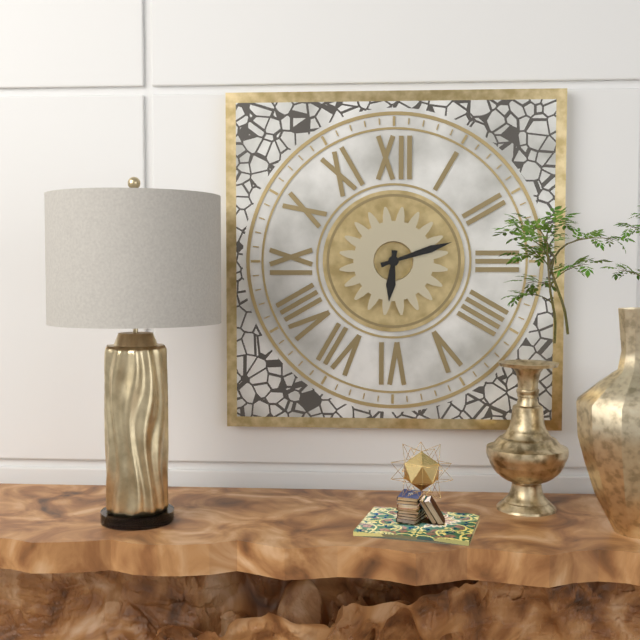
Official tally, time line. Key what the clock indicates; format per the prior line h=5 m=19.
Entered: h=6 m=12
